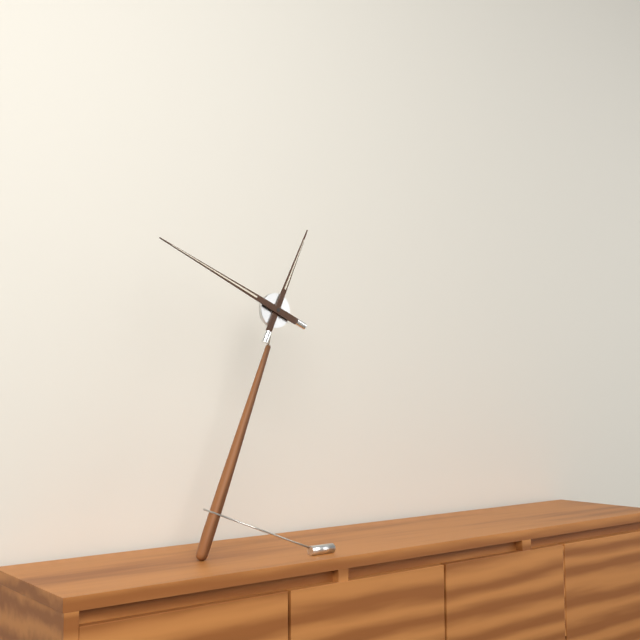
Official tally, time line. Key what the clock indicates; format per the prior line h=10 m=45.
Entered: h=12 m=49
